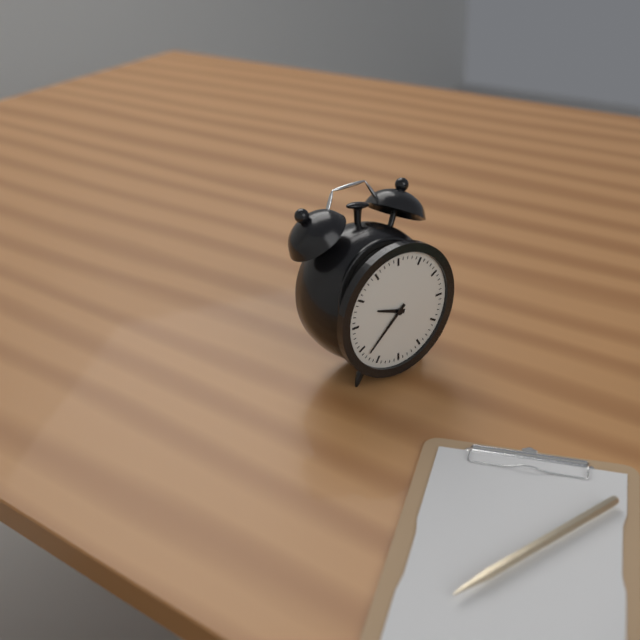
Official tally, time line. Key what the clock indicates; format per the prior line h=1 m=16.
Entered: h=9 m=38
